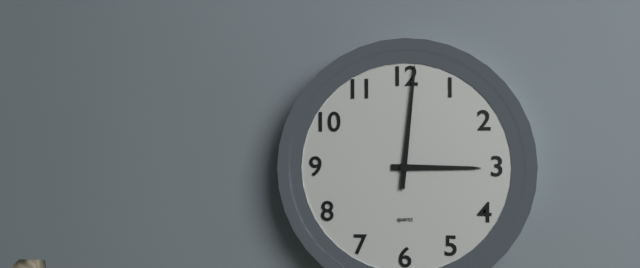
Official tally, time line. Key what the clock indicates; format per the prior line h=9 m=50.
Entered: h=3 m=1
